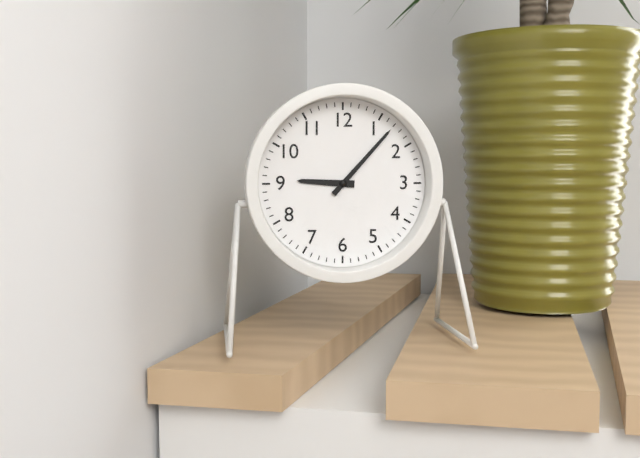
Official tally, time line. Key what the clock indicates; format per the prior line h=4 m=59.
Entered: h=9 m=7
